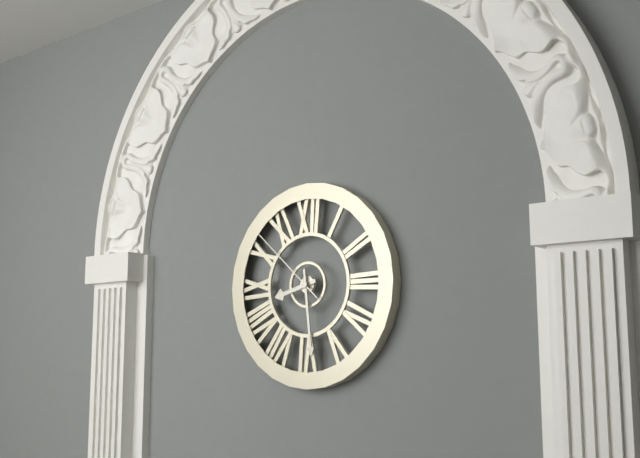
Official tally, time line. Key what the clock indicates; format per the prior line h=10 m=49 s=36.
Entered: h=8 m=29 s=52
